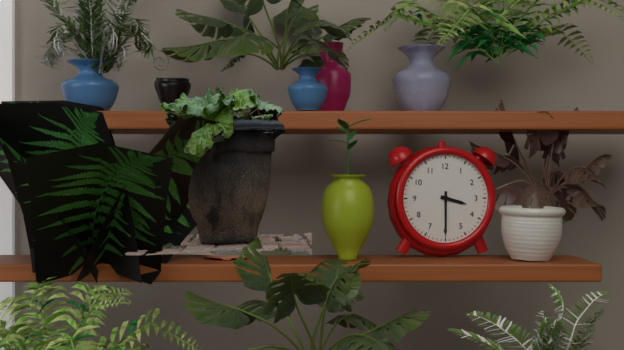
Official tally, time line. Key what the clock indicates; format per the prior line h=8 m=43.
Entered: h=3 m=30
